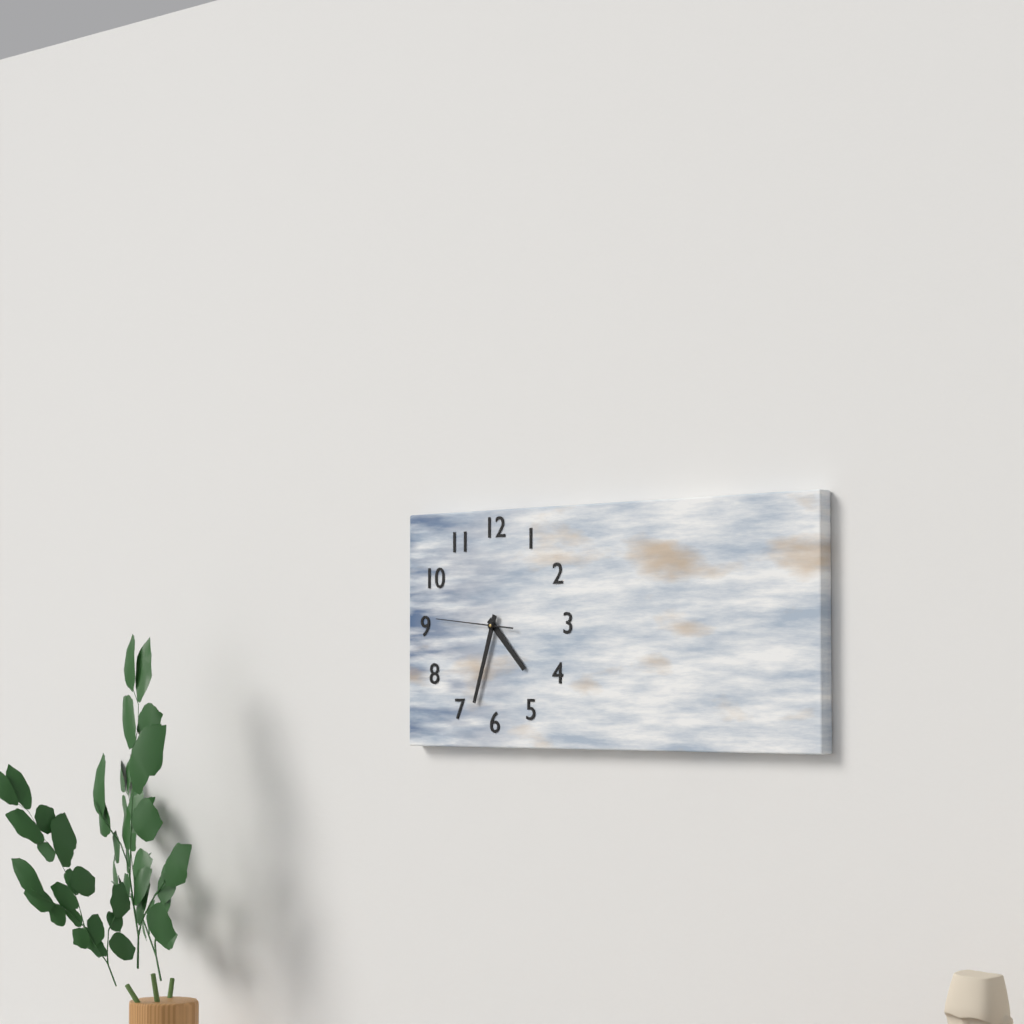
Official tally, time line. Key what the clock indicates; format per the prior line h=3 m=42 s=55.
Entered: h=4 m=33 s=46
